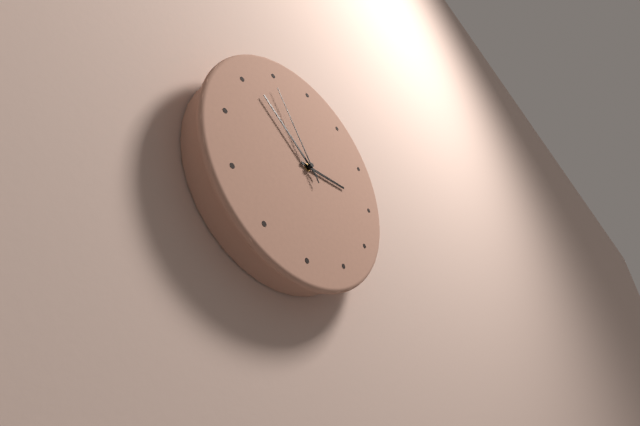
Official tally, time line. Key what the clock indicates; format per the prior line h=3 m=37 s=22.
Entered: h=2 m=51 s=54
